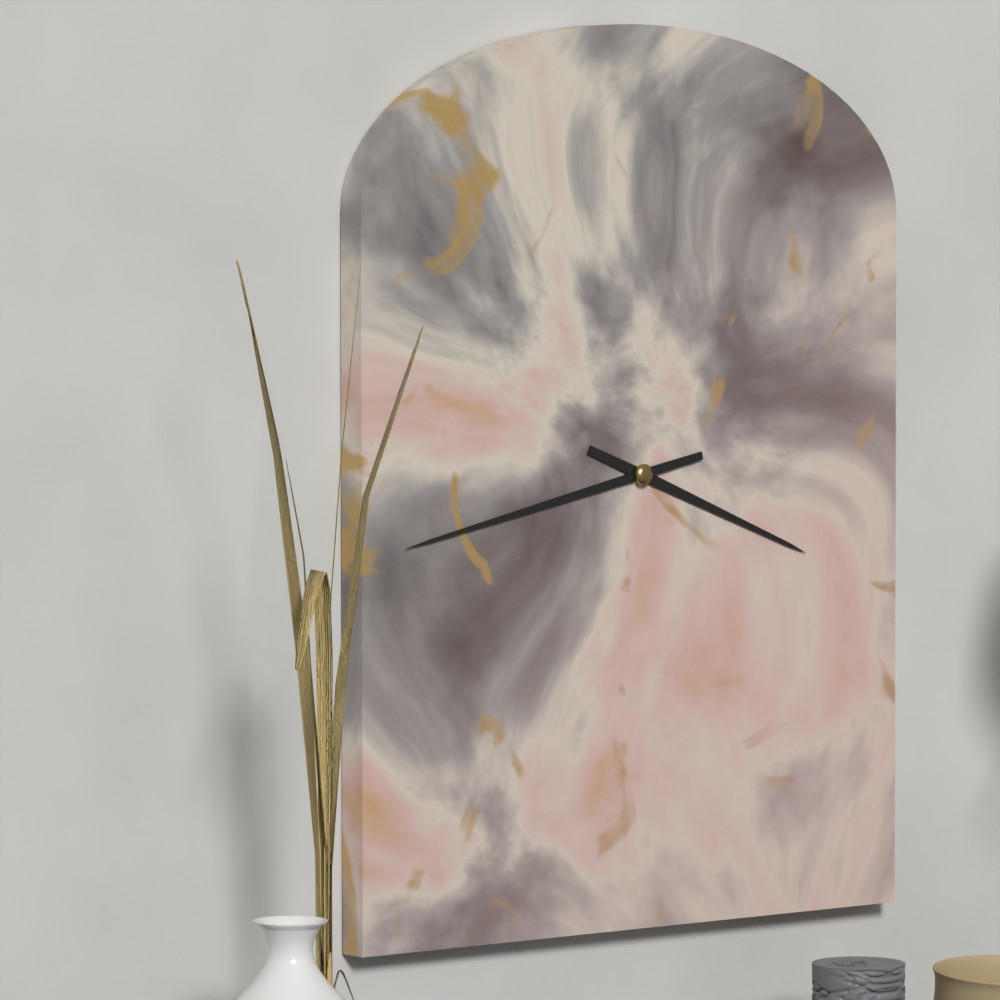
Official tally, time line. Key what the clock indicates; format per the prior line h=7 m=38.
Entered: h=3 m=43
